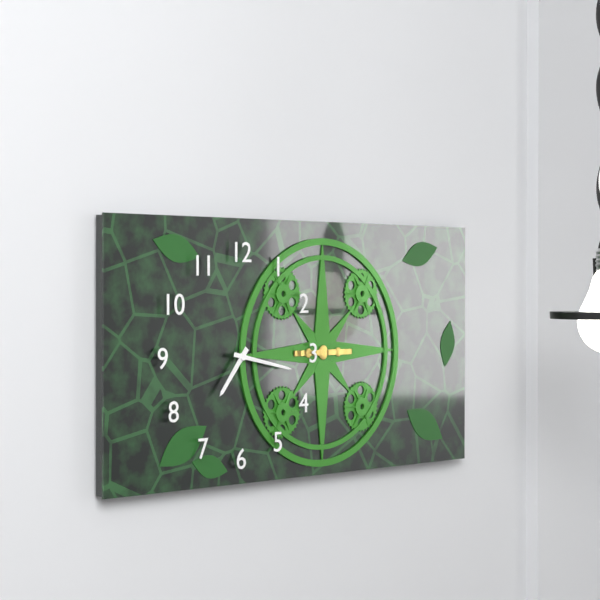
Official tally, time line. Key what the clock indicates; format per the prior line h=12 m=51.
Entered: h=7 m=17
